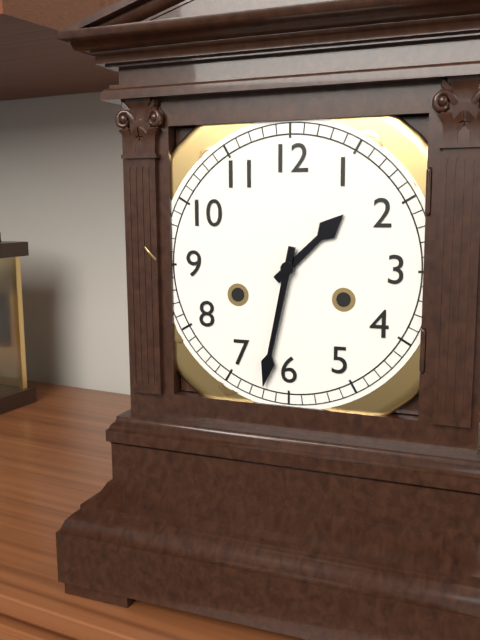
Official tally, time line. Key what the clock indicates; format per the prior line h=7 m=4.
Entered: h=1 m=32
